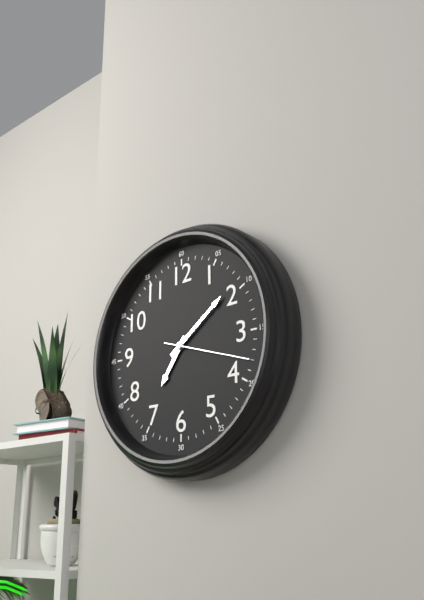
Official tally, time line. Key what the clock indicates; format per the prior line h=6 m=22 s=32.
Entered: h=7 m=9 s=18
